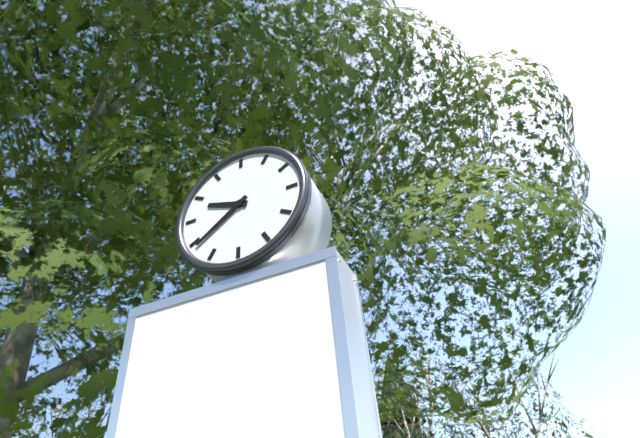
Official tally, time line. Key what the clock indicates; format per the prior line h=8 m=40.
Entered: h=9 m=39
